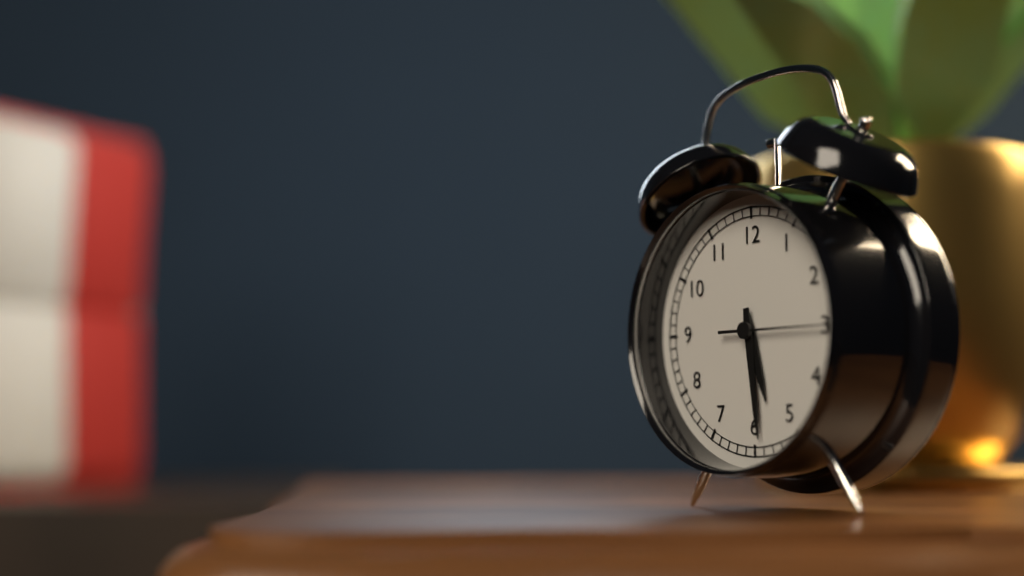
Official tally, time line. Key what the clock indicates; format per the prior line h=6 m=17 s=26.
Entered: h=5 m=29 s=15
